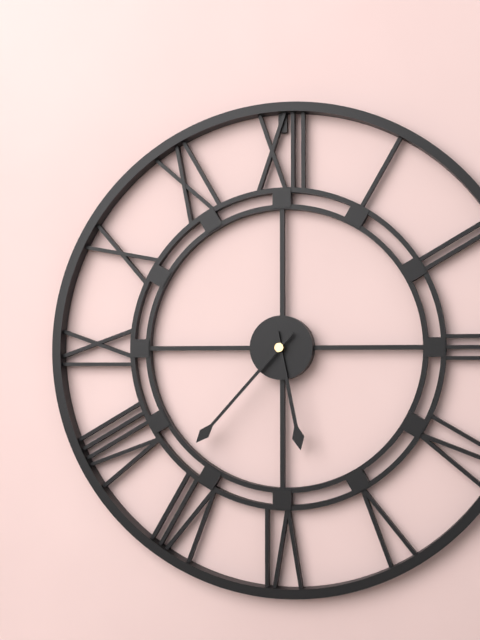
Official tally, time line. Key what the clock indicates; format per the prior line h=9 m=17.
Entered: h=5 m=37
